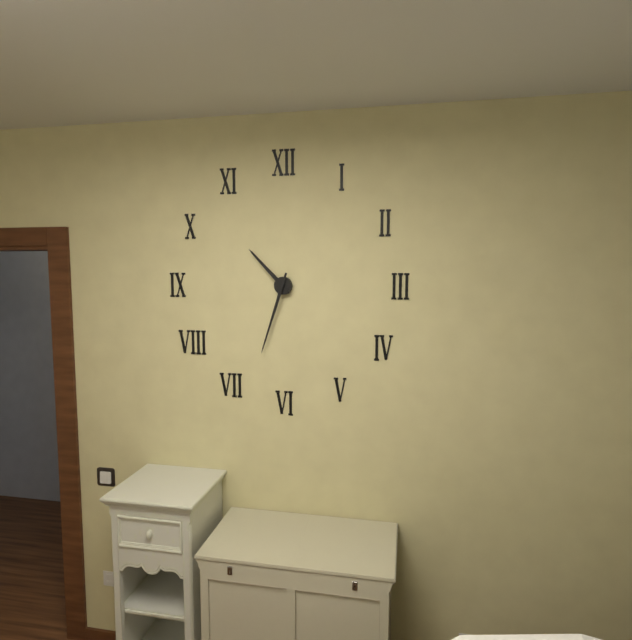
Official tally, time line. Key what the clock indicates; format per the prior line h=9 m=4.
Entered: h=10 m=33
